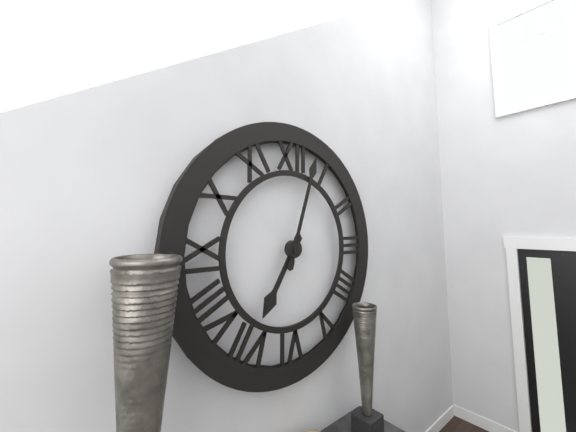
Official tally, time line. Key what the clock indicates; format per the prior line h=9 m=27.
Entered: h=7 m=3
